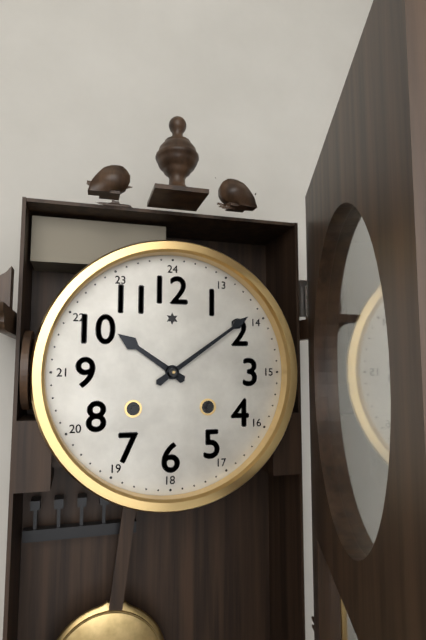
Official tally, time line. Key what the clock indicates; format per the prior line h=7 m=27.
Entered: h=10 m=9
